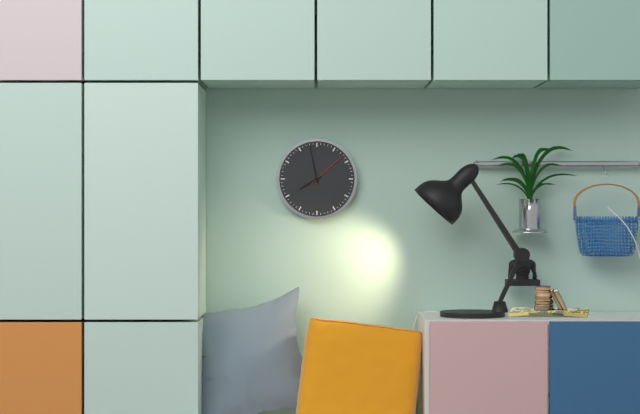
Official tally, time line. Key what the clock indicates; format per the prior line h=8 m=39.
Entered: h=7 m=58
